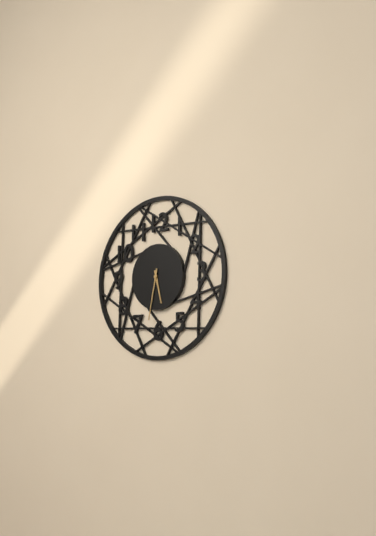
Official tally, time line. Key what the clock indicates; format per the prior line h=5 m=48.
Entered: h=5 m=32
